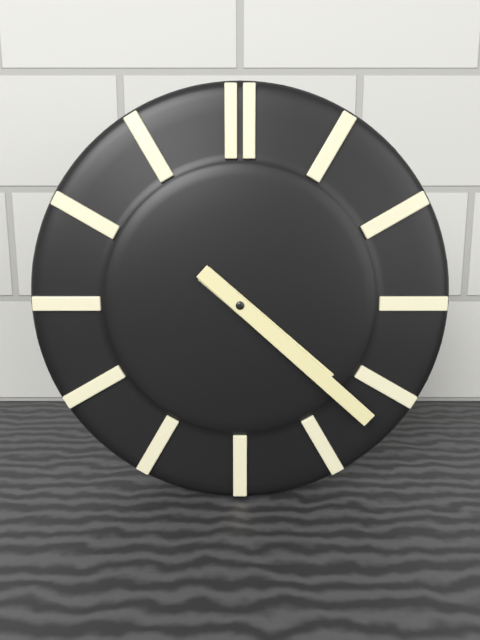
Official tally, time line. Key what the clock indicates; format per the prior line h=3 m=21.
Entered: h=4 m=22
